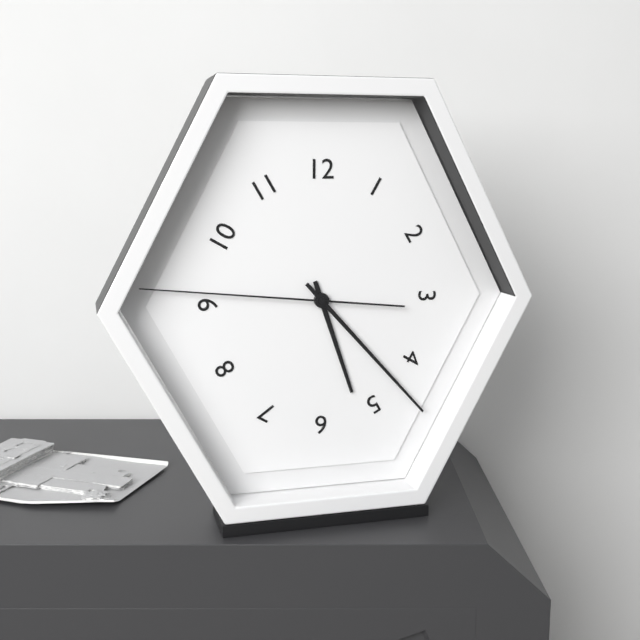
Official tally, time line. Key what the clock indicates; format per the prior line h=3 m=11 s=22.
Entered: h=5 m=23 s=46
